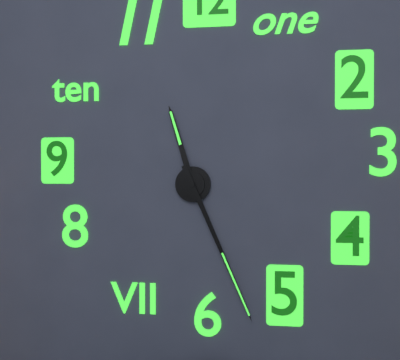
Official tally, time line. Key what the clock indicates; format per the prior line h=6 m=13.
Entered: h=11 m=26
